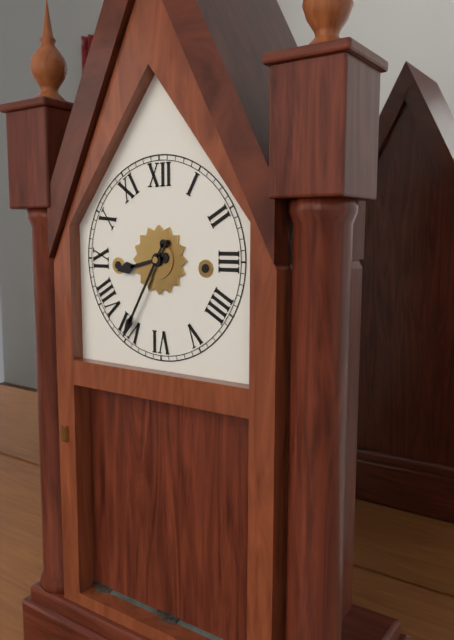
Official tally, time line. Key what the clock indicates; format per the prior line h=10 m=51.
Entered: h=8 m=35
